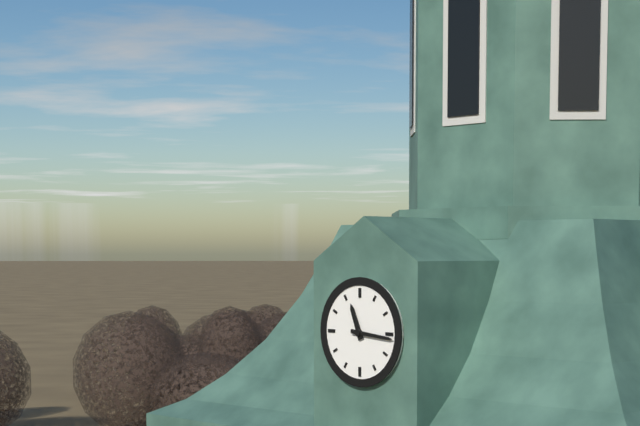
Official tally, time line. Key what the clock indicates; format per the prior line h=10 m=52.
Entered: h=11 m=16
